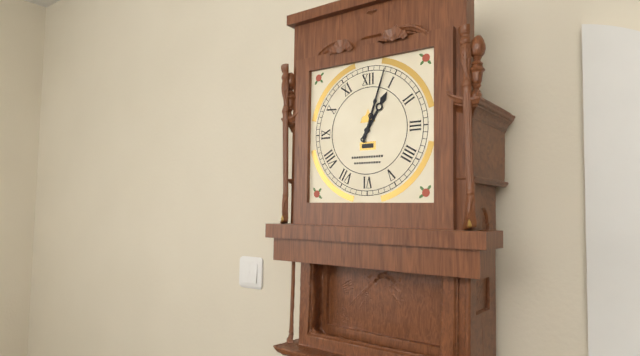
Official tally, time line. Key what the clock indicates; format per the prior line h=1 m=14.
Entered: h=1 m=3
